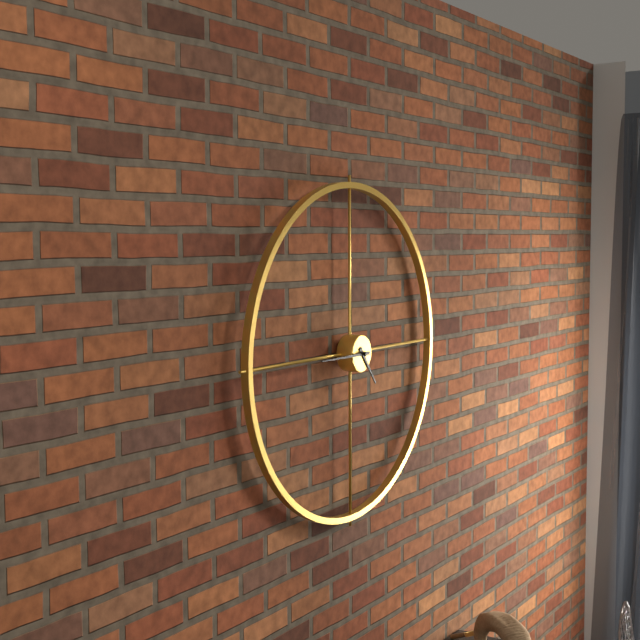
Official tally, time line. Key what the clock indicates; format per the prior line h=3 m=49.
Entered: h=4 m=45
